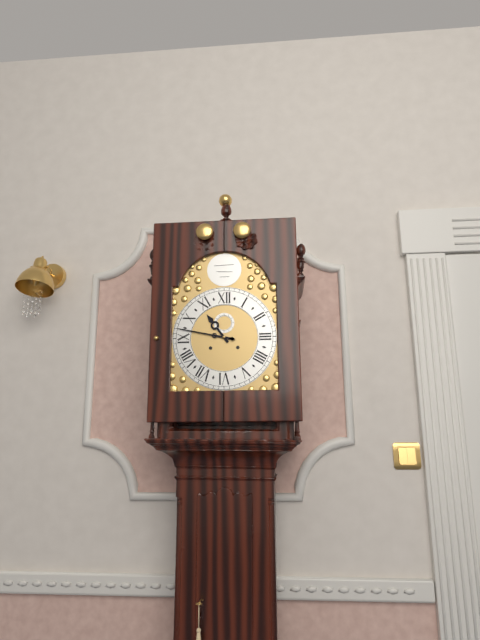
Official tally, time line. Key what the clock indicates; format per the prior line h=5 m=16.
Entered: h=10 m=47
